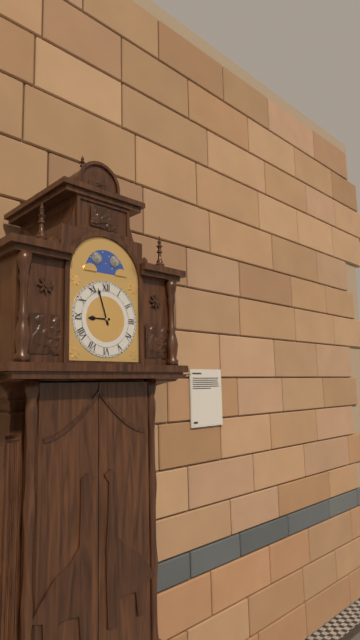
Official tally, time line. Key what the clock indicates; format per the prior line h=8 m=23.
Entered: h=8 m=57
